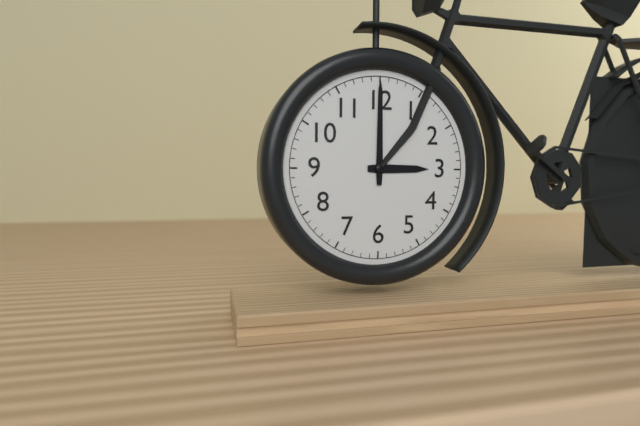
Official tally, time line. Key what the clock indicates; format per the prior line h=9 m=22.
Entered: h=3 m=0
